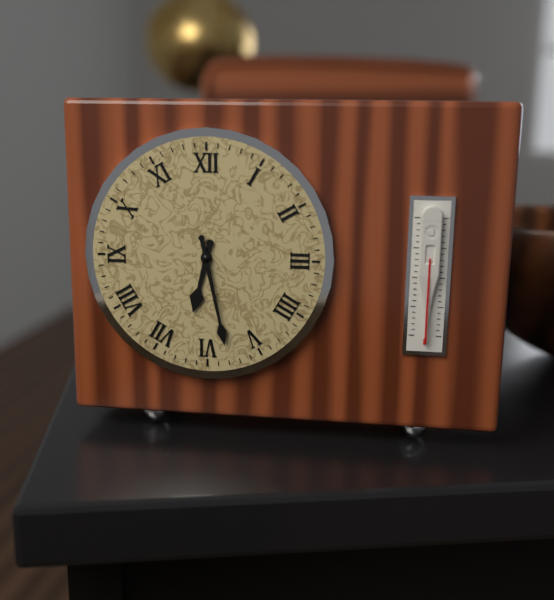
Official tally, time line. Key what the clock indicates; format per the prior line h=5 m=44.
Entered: h=6 m=28
